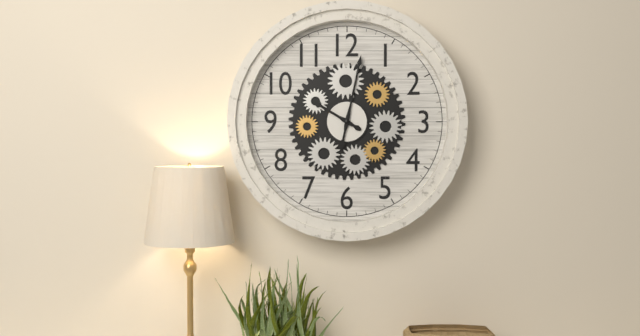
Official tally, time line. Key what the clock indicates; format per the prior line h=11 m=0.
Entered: h=10 m=2
